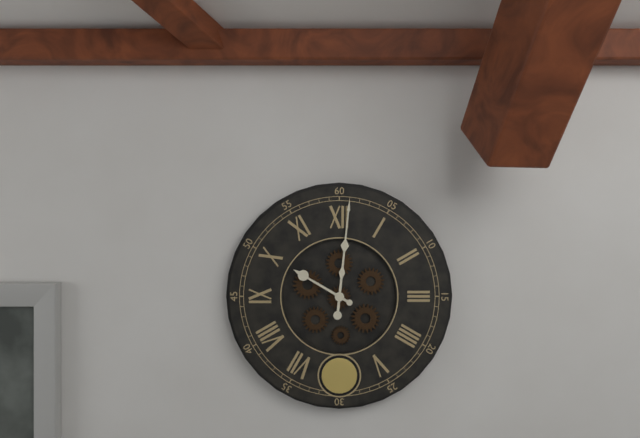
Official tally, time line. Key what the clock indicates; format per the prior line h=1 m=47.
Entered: h=10 m=1
